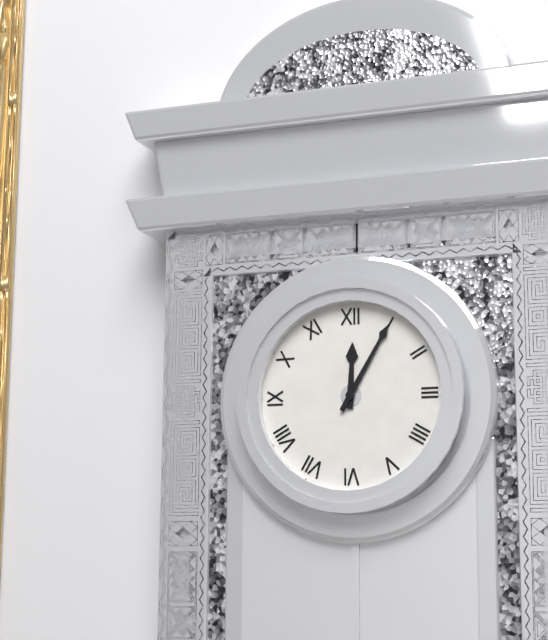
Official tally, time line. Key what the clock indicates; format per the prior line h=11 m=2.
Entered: h=12 m=5
